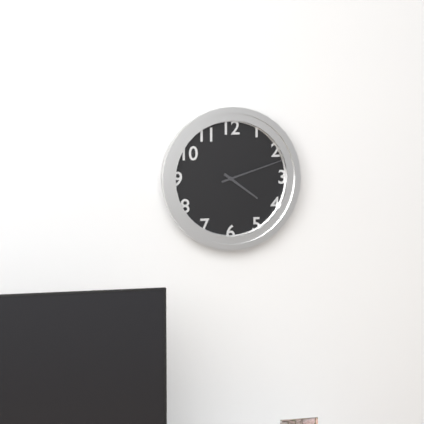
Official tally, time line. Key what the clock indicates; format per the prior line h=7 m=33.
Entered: h=4 m=12
